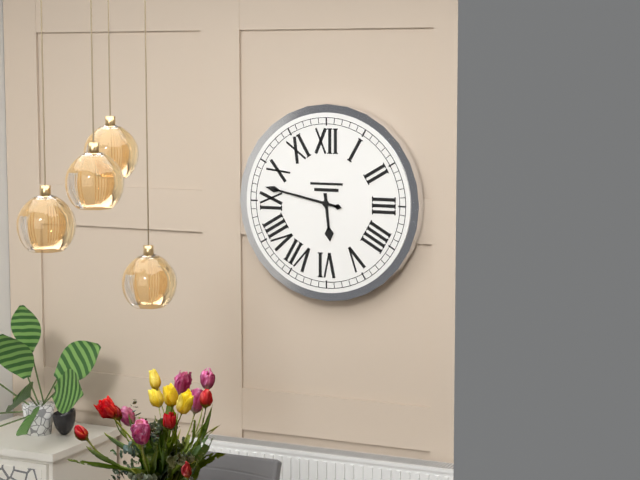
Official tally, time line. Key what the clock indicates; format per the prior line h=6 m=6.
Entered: h=5 m=47
